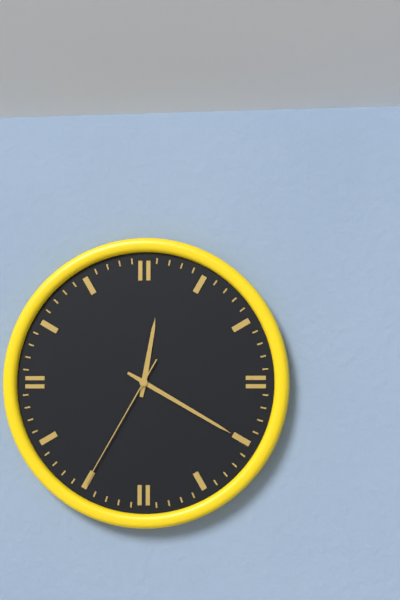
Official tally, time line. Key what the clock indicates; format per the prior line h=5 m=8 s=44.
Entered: h=12 m=20 s=35
